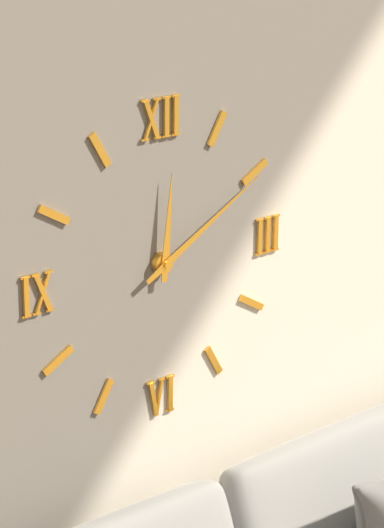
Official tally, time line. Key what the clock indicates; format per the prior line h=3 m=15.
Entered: h=12 m=10
